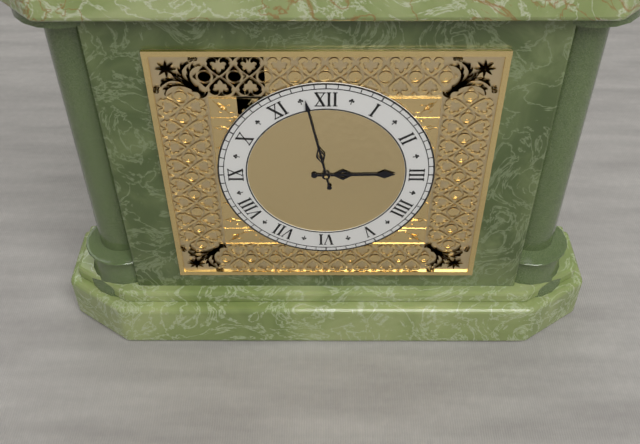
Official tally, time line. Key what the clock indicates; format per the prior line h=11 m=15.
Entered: h=2 m=58
